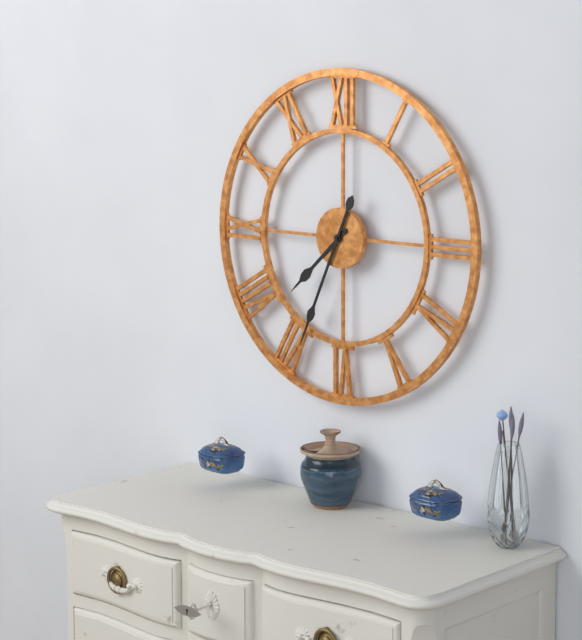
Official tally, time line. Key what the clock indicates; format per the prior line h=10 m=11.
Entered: h=7 m=34
